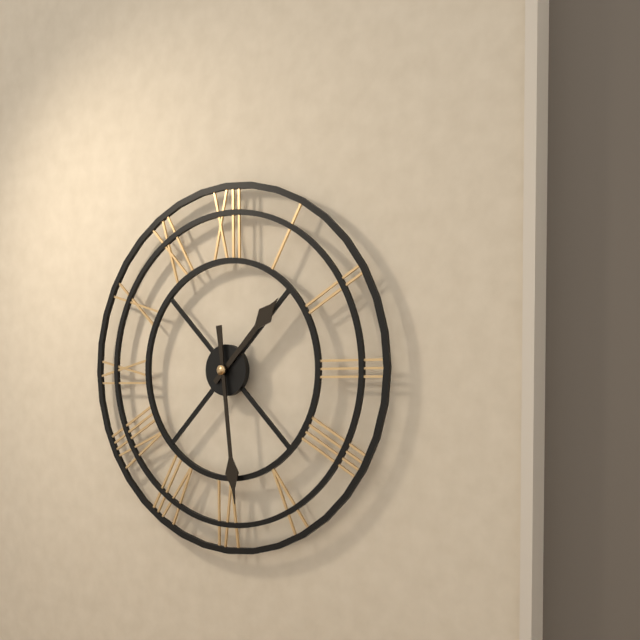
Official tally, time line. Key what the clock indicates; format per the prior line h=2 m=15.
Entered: h=1 m=29
